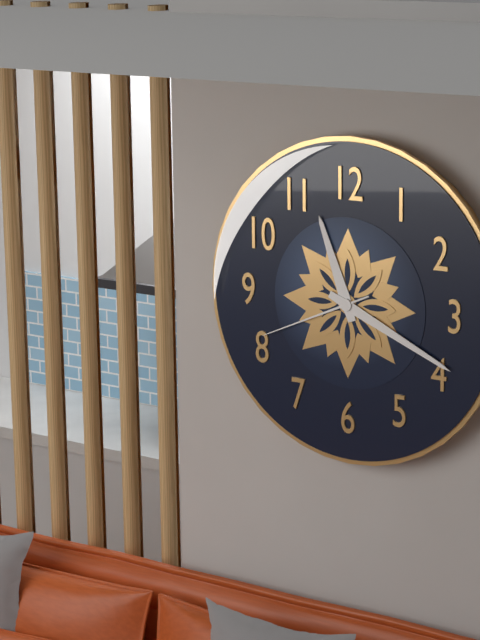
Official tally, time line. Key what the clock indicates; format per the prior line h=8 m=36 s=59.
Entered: h=11 m=19 s=41
